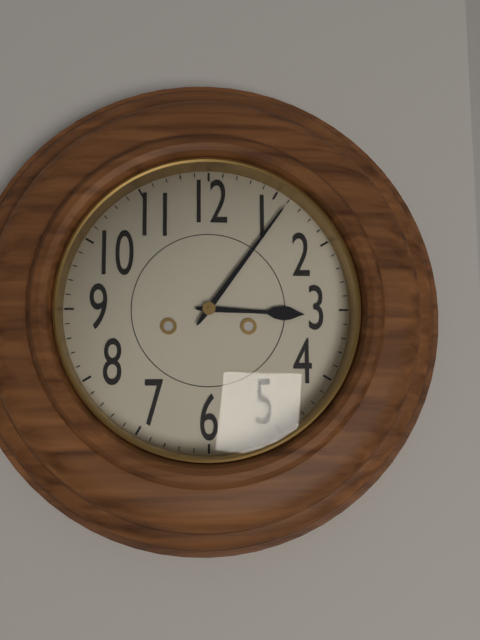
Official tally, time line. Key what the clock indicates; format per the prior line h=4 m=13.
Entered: h=3 m=6
